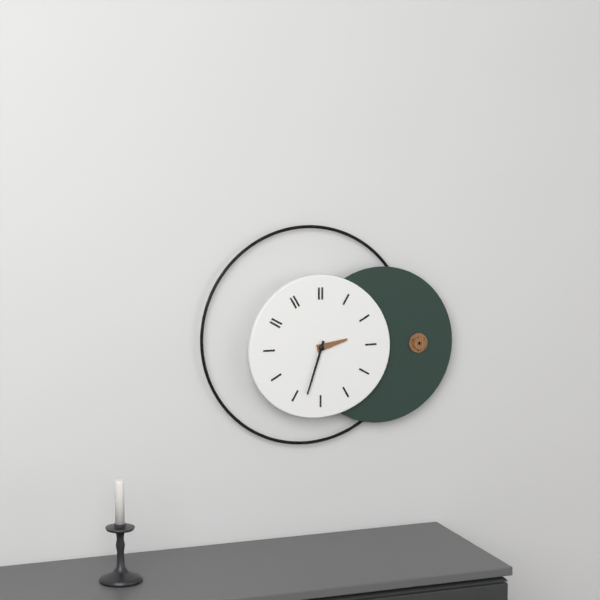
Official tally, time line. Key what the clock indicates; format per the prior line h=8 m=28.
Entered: h=2 m=33
